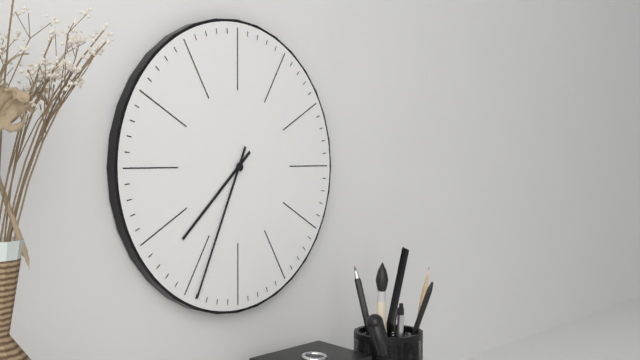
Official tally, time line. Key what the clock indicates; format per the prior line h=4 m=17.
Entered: h=7 m=34
